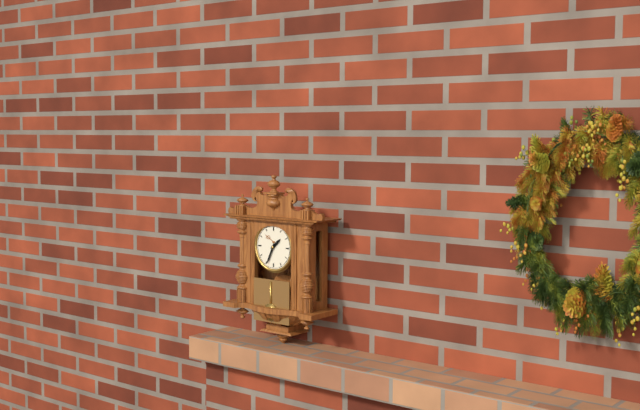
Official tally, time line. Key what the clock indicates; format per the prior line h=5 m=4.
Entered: h=1 m=34
